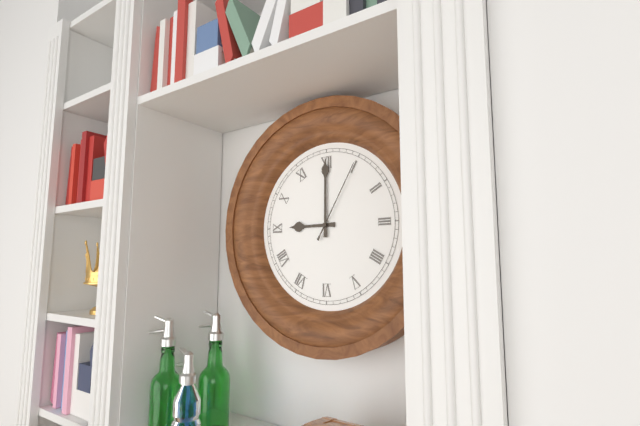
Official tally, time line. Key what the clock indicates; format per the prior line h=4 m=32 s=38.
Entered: h=9 m=0 s=5
